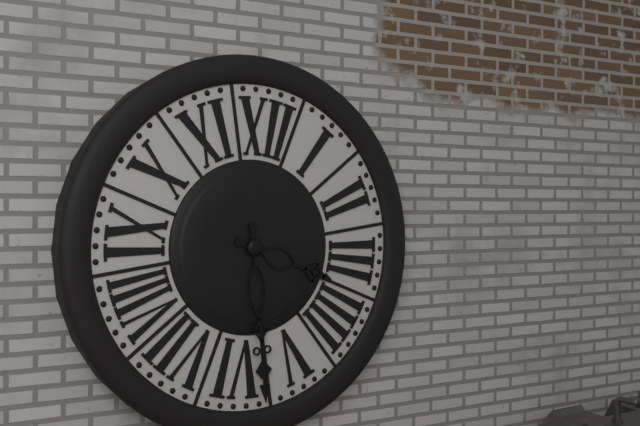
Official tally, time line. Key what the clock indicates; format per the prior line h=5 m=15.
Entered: h=3 m=28
